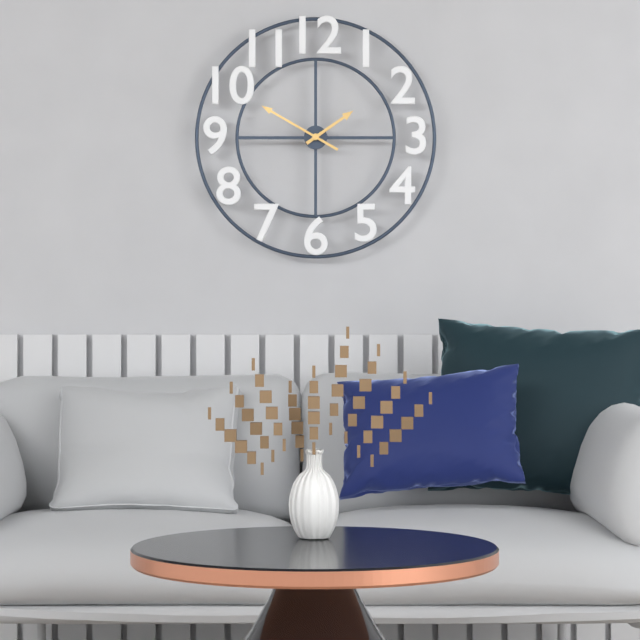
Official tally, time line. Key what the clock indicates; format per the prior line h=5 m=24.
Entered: h=1 m=50
